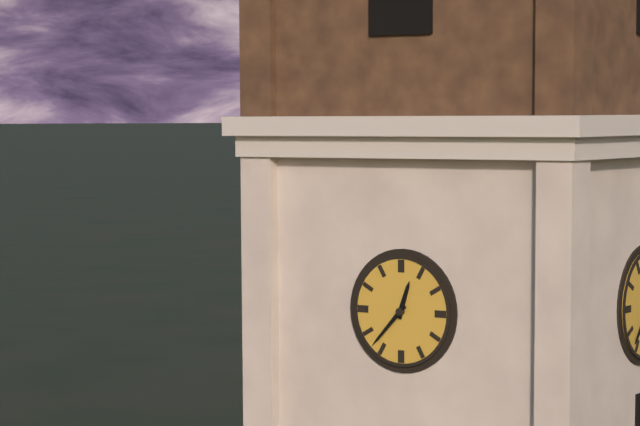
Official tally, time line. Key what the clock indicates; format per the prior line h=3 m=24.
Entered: h=12 m=37
